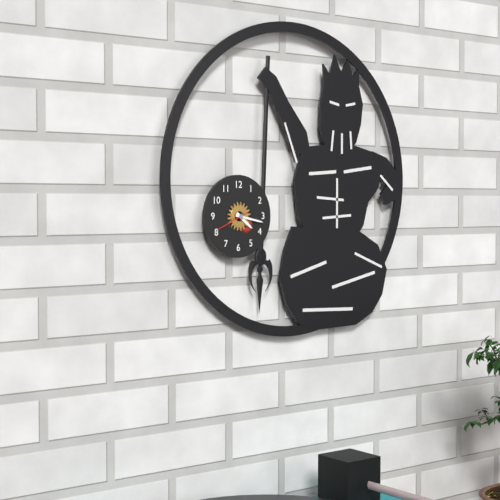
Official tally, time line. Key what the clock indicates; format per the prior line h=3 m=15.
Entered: h=4 m=17
